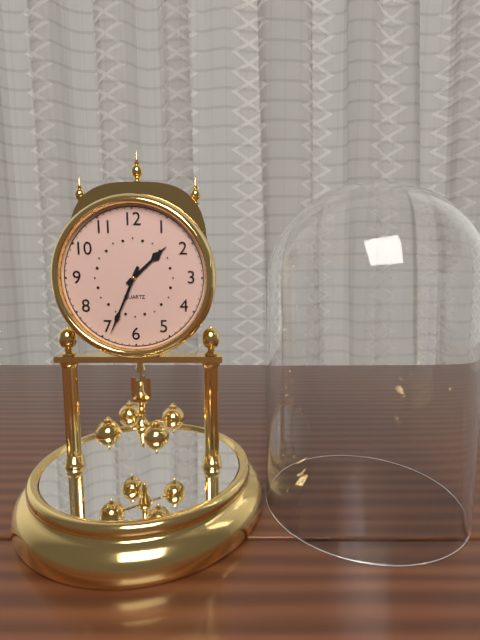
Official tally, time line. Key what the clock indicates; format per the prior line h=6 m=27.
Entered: h=1 m=34
